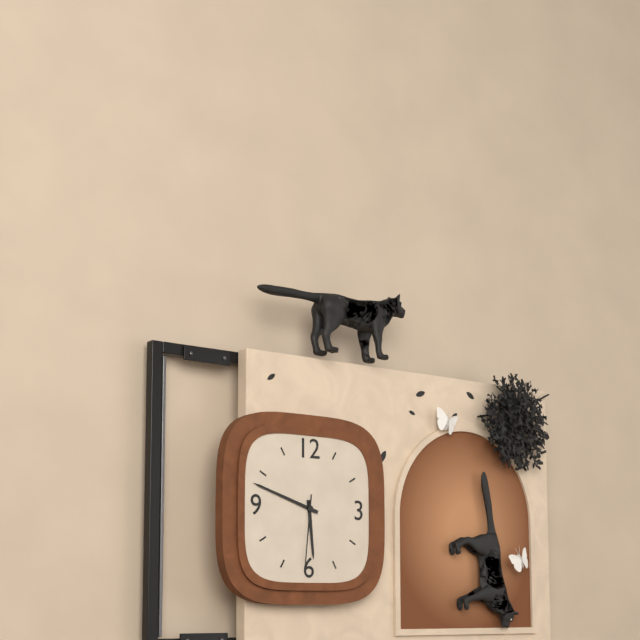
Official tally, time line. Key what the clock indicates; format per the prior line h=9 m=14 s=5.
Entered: h=5 m=48 s=31
